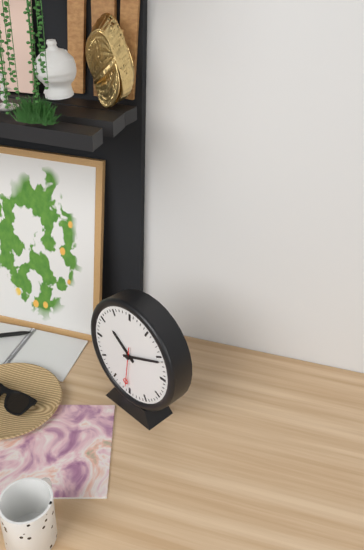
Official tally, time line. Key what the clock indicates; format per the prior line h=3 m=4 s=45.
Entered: h=10 m=11 s=31
